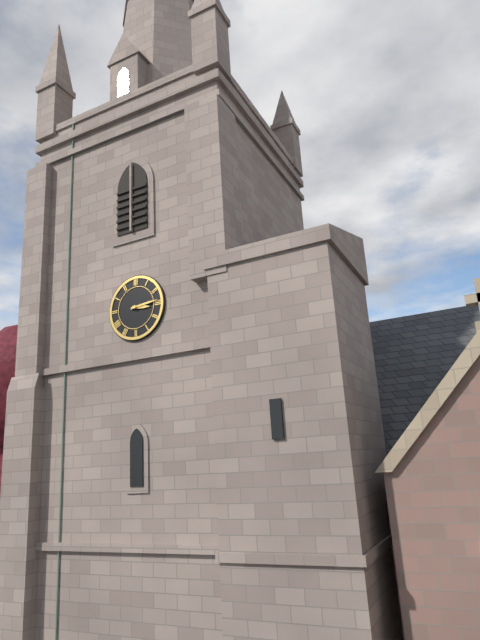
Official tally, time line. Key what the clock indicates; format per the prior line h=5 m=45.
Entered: h=3 m=14
